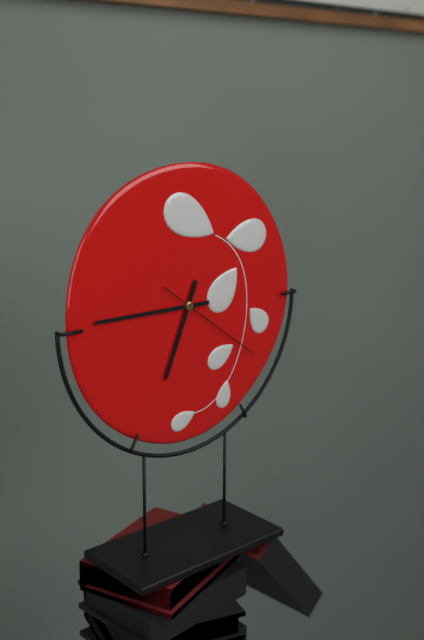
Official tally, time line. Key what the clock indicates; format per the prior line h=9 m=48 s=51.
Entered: h=6 m=45 s=21
